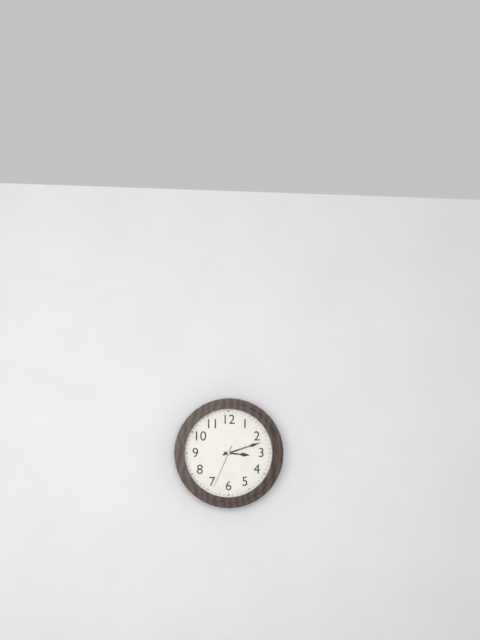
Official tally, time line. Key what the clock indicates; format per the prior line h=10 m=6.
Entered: h=3 m=12
